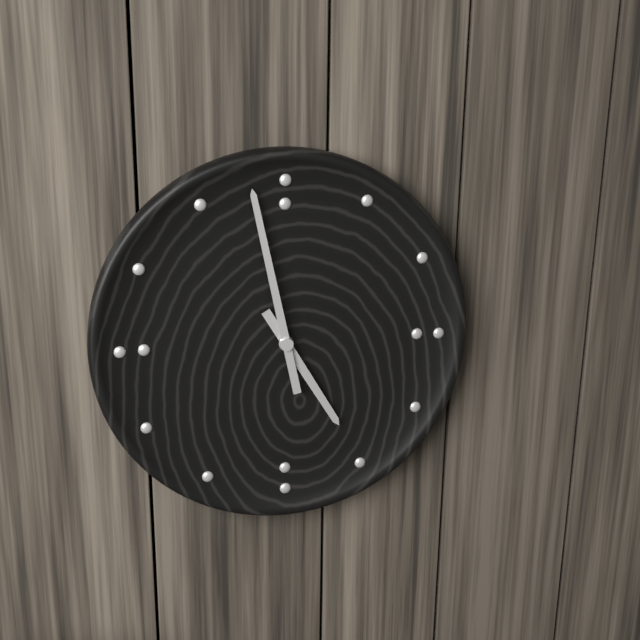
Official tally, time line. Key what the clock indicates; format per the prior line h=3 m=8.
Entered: h=4 m=58
